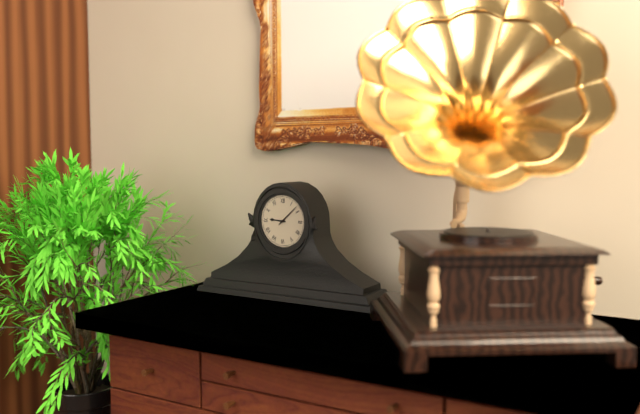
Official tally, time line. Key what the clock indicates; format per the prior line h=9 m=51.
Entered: h=9 m=8
